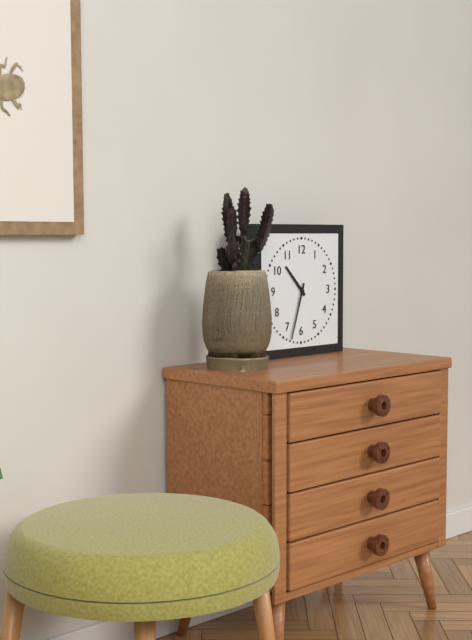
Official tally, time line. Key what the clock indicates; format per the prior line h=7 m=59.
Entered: h=10 m=33
